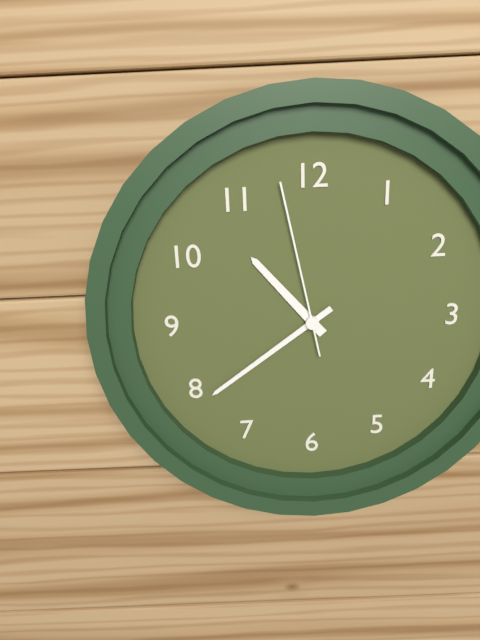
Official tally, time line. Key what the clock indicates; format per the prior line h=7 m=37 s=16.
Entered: h=10 m=39 s=58
